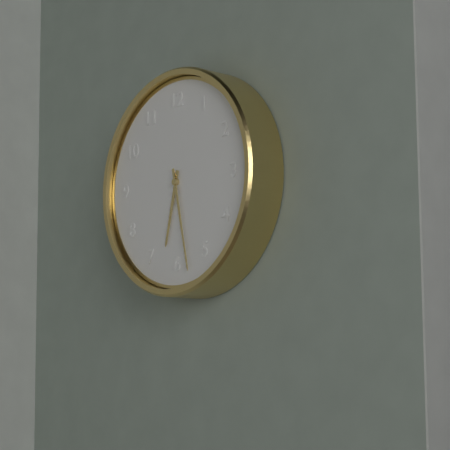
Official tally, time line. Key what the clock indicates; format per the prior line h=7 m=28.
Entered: h=6 m=28
